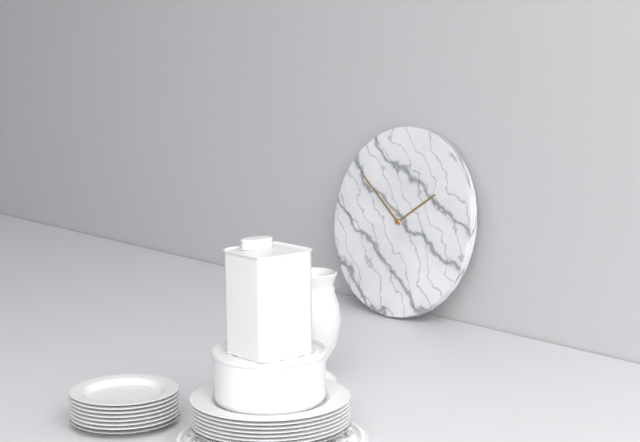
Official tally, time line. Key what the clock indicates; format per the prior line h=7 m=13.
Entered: h=1 m=51
